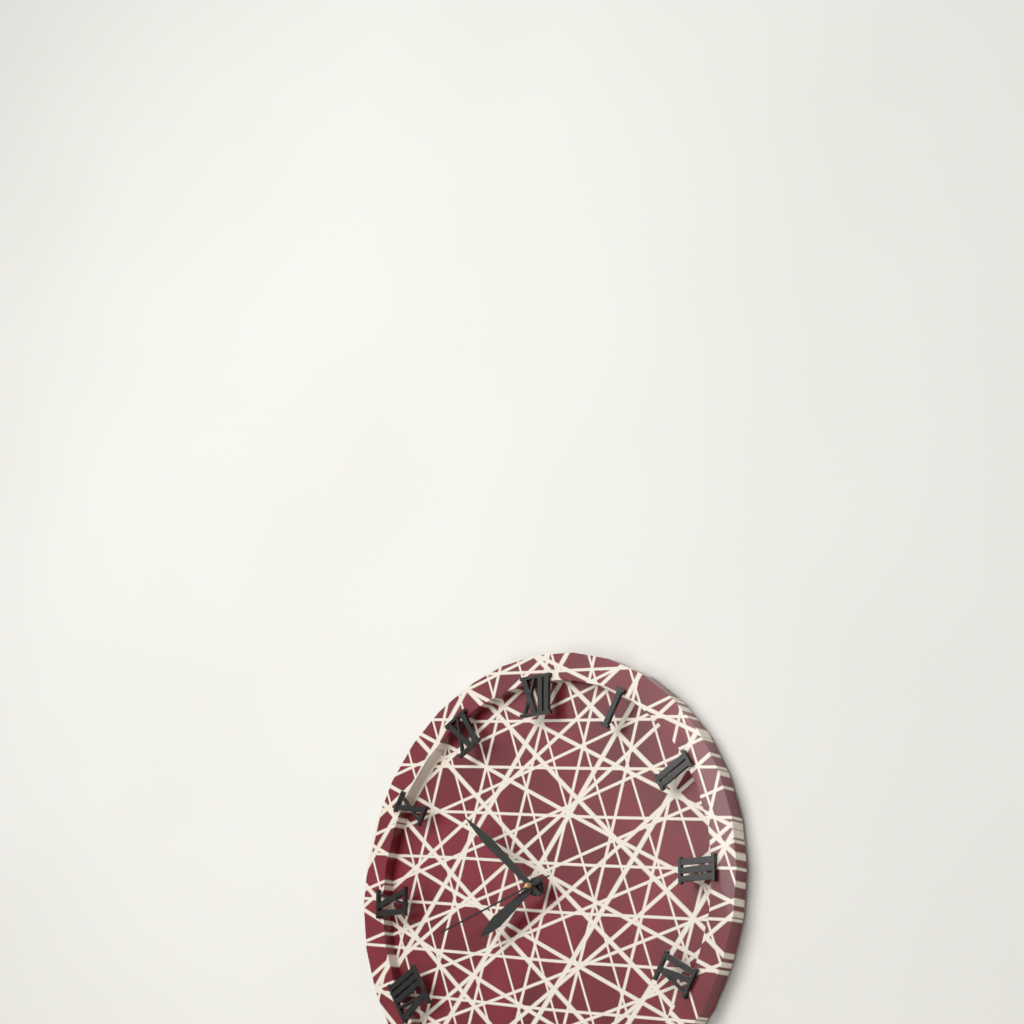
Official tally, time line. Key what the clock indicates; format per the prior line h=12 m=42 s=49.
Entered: h=7 m=52 s=42
